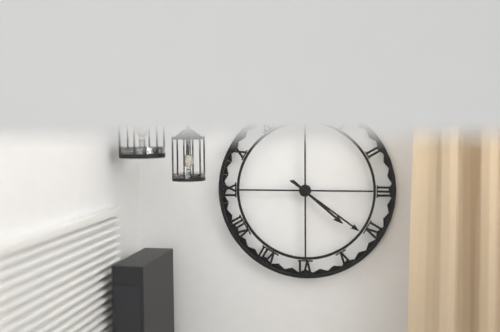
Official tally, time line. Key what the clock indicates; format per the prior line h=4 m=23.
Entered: h=4 m=21
